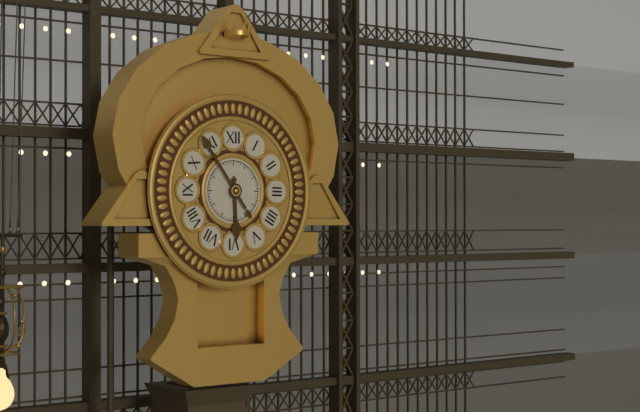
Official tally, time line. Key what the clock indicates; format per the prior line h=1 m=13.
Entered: h=5 m=54
